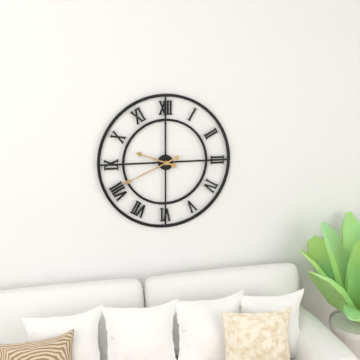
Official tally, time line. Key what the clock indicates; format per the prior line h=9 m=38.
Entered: h=9 m=41
